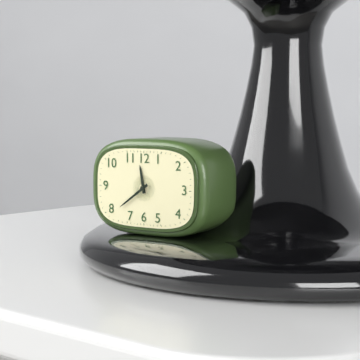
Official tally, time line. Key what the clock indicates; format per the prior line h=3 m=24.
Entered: h=11 m=39
